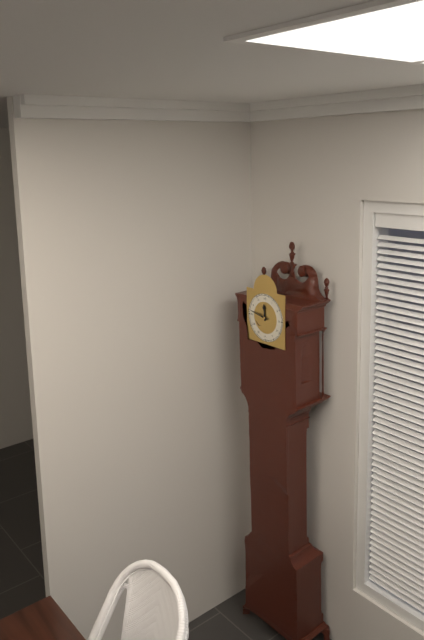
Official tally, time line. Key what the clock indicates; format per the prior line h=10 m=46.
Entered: h=11 m=47
